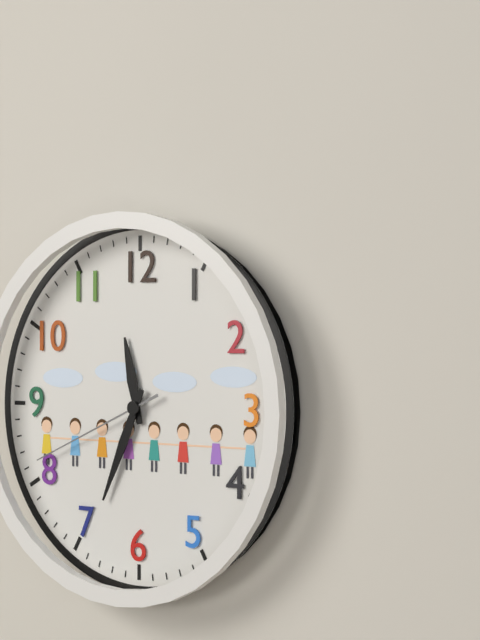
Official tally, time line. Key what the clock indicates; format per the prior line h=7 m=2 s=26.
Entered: h=11 m=34 s=41
